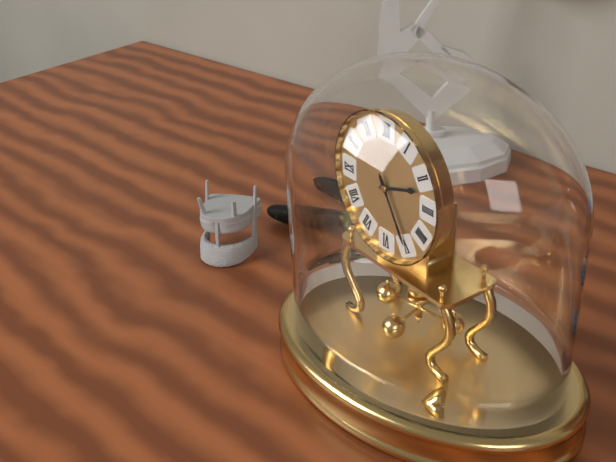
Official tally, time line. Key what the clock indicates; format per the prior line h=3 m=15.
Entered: h=2 m=25
